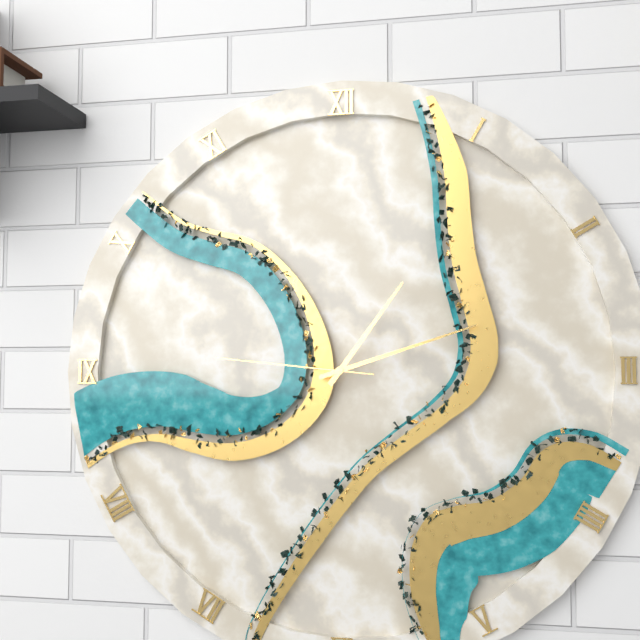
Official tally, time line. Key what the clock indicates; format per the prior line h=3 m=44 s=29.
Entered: h=1 m=12 s=46
